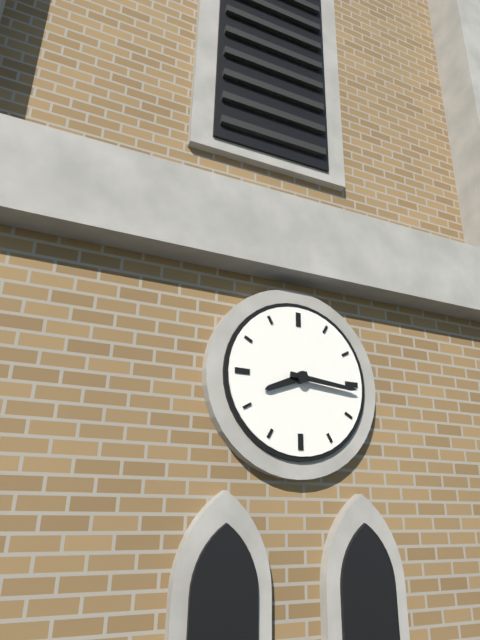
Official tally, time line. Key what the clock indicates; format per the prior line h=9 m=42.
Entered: h=8 m=16
